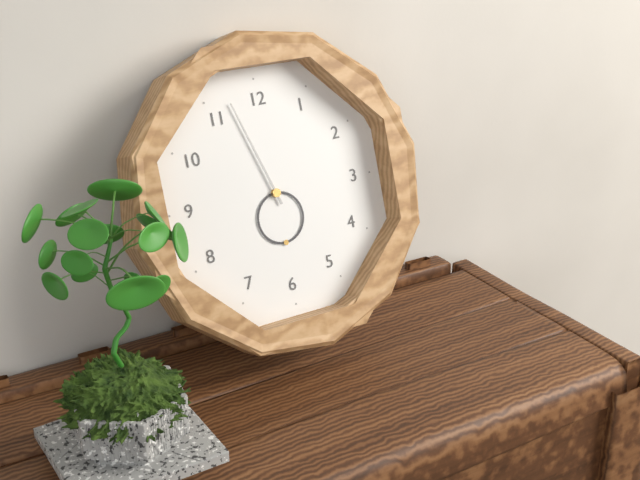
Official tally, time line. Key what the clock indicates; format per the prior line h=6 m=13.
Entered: h=5 m=57
